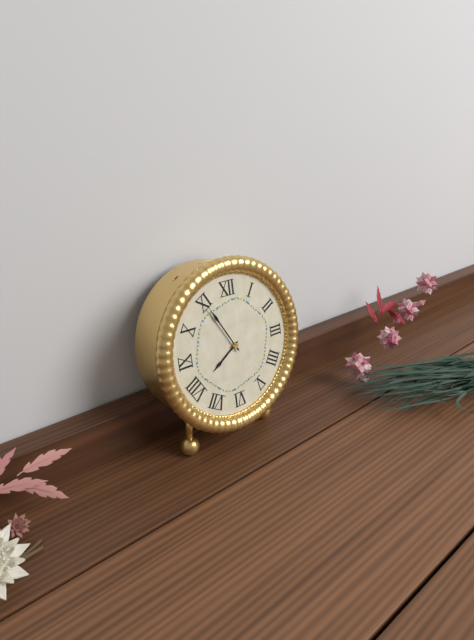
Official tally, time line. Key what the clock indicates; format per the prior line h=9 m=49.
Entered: h=7 m=55
